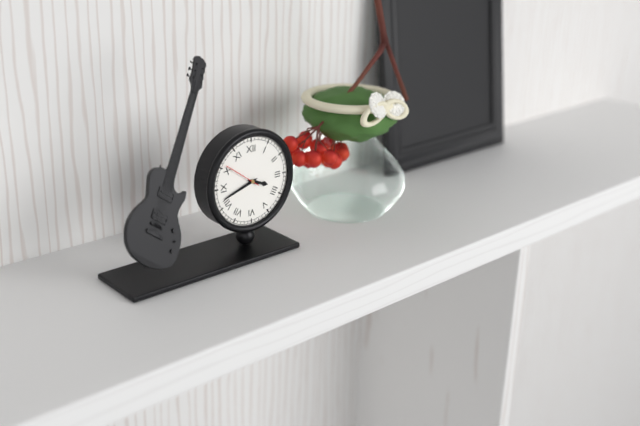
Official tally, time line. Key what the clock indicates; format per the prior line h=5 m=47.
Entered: h=3 m=42
